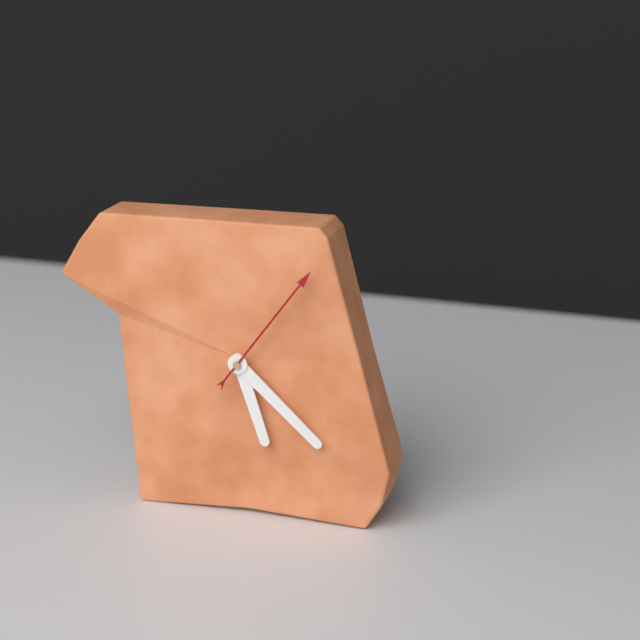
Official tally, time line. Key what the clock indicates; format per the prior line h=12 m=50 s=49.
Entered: h=5 m=22 s=6
